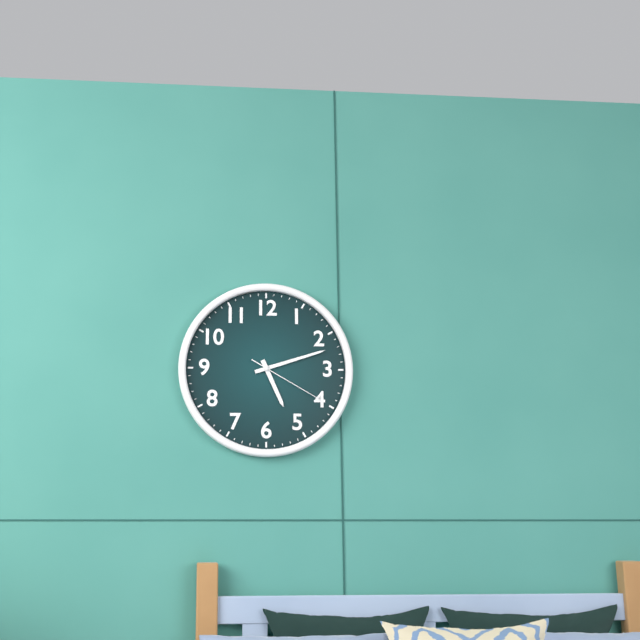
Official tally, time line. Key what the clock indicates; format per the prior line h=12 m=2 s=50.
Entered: h=5 m=12 s=20
